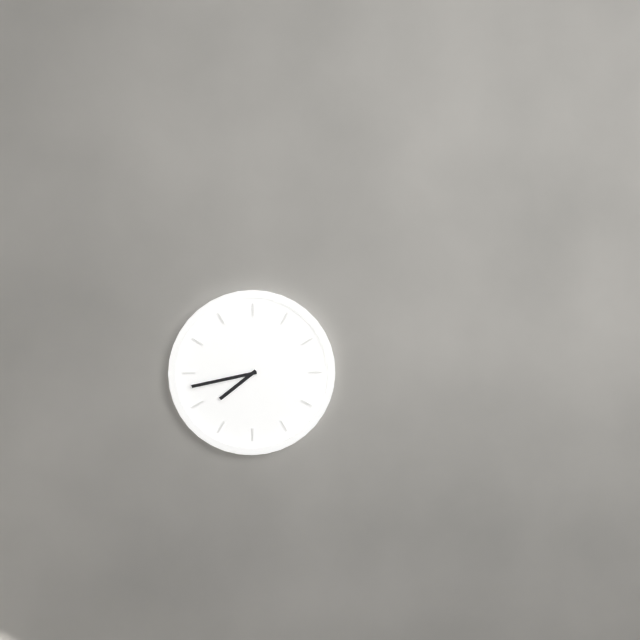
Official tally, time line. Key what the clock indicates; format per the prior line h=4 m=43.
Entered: h=7 m=43
